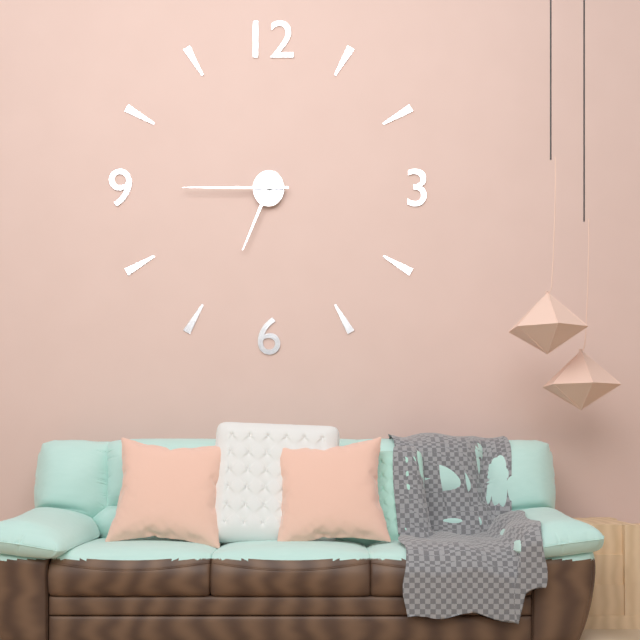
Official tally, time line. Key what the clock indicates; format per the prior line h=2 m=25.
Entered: h=6 m=45
